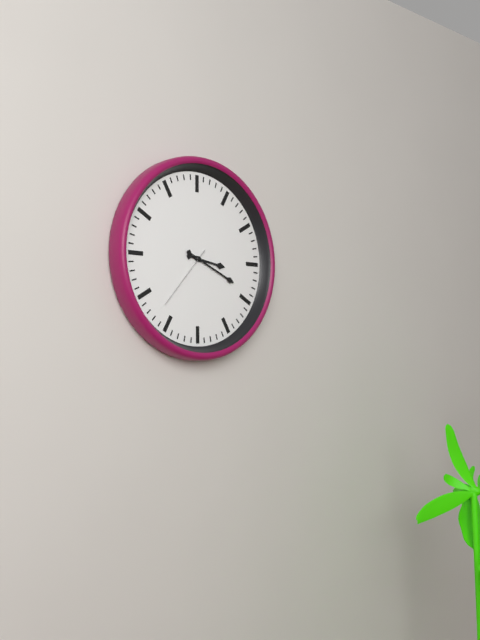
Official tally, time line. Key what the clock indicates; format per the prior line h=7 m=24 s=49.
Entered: h=3 m=19 s=37
